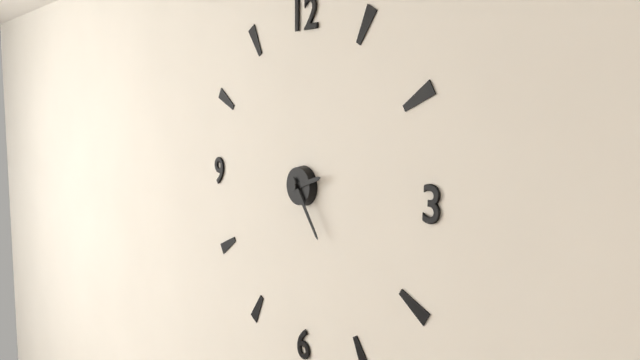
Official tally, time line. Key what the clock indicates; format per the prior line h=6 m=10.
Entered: h=2 m=24
